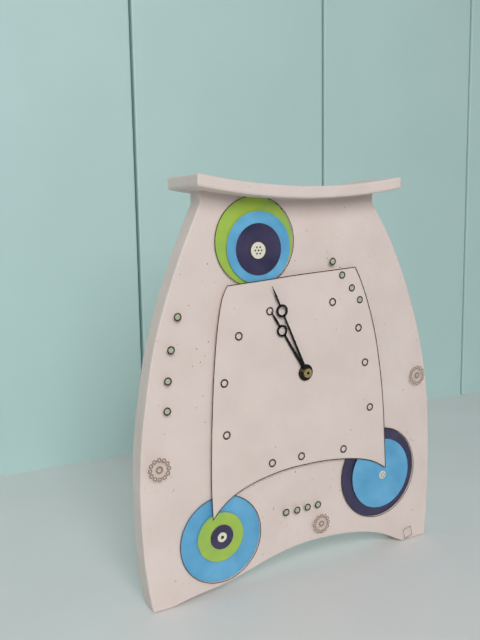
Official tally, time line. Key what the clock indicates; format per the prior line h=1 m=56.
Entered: h=10 m=56
